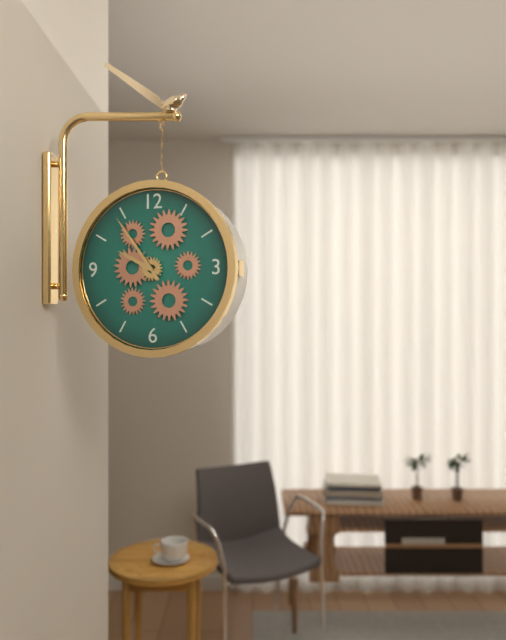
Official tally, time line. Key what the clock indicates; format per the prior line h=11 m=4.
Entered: h=9 m=54
